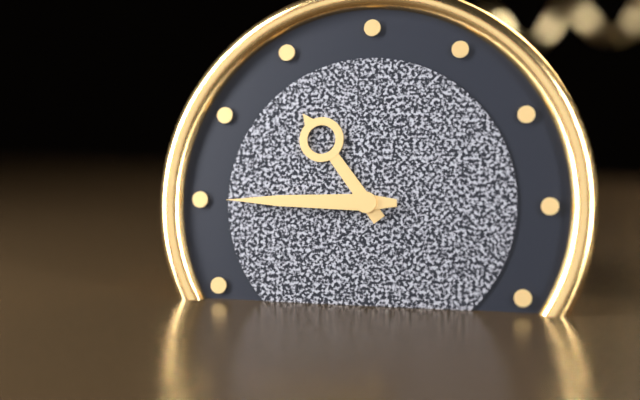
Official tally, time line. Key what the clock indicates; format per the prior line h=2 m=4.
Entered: h=10 m=45
